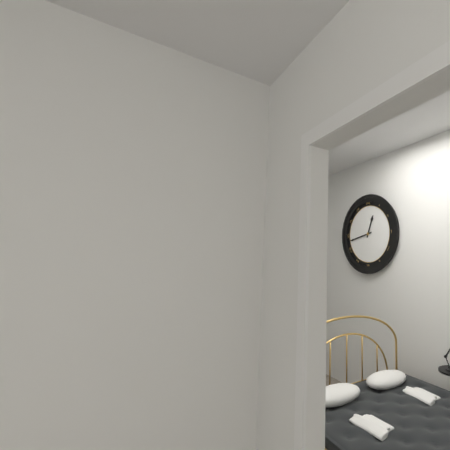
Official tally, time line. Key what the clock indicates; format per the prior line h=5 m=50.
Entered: h=12 m=43
